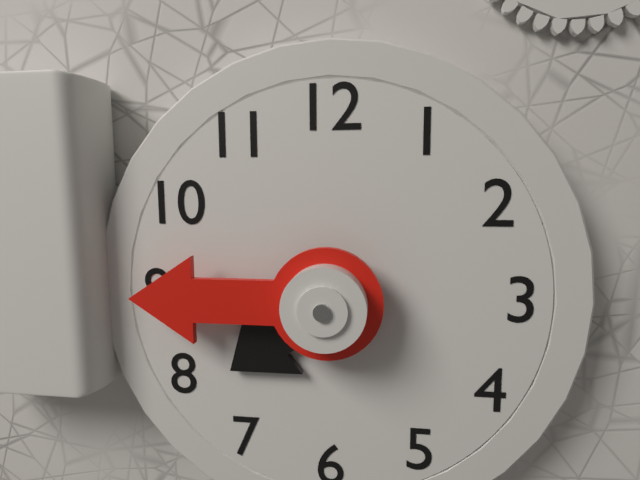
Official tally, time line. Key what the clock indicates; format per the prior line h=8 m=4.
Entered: h=7 m=45
